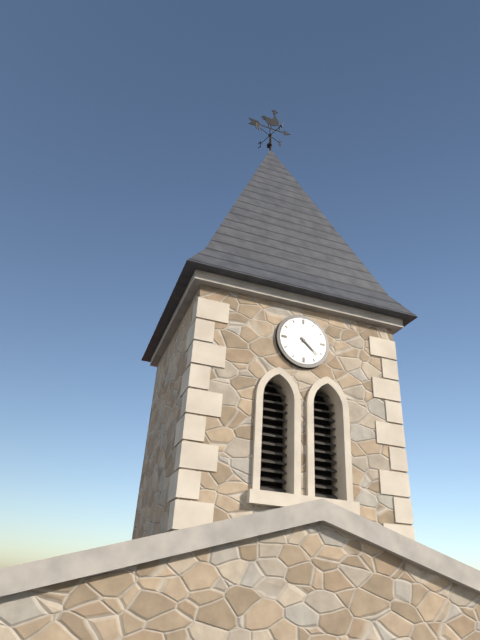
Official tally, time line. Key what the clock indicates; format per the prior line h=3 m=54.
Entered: h=4 m=22
